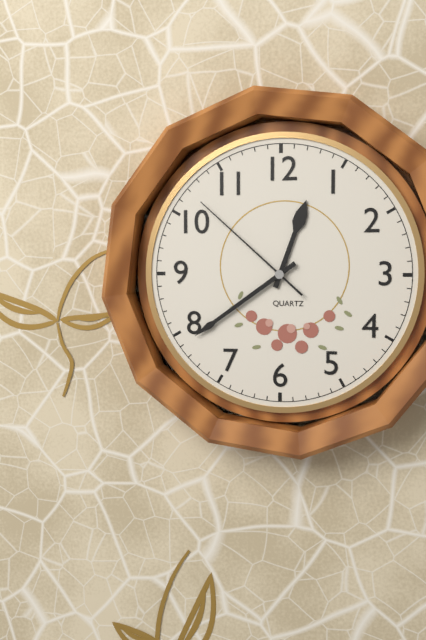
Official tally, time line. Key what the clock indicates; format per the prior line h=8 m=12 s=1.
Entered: h=12 m=39 s=52
